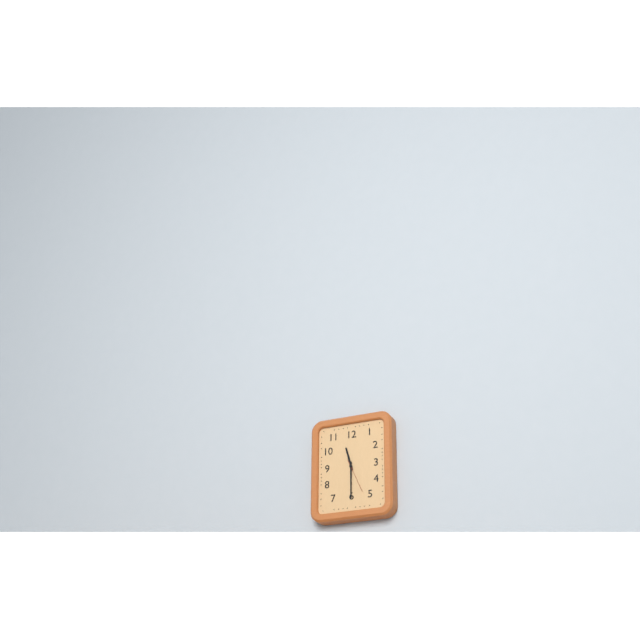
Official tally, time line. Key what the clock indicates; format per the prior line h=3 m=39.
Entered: h=11 m=30
